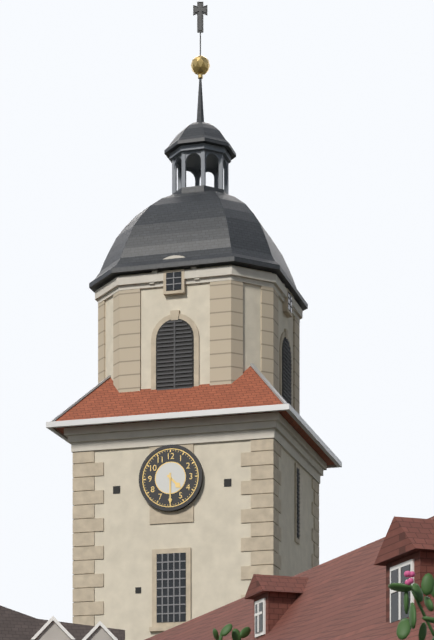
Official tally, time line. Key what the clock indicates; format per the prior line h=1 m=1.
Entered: h=4 m=30
